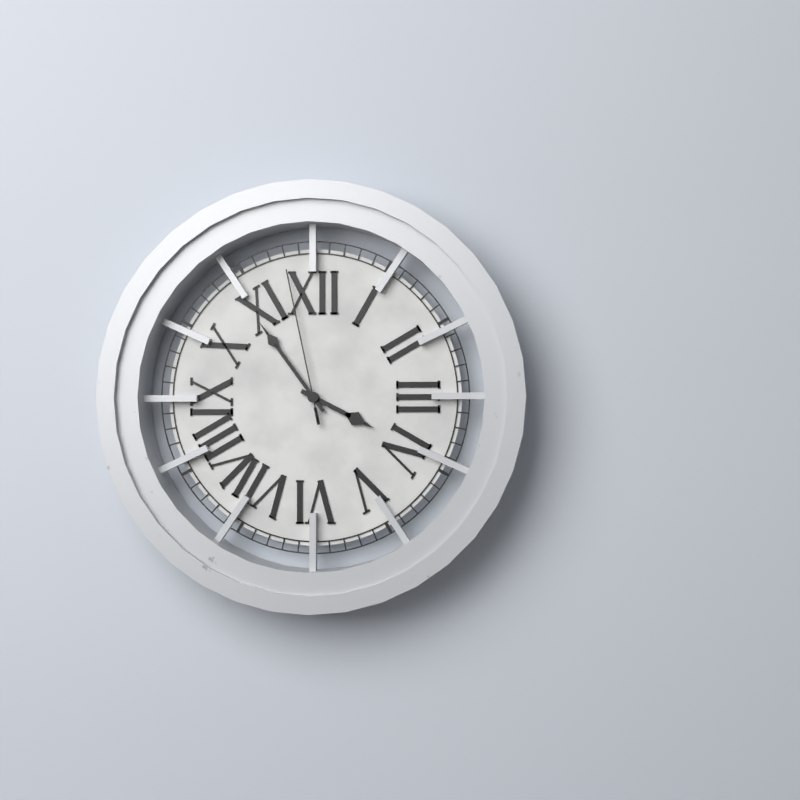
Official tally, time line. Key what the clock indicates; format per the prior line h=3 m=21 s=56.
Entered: h=3 m=54 s=58
